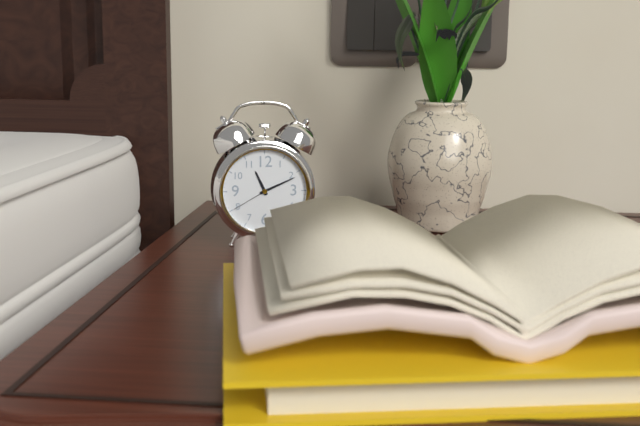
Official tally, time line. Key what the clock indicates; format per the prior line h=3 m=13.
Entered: h=11 m=11
